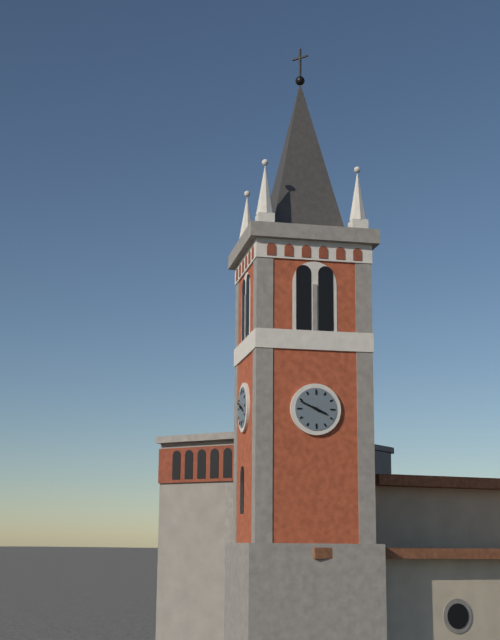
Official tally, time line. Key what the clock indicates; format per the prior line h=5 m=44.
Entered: h=3 m=49
